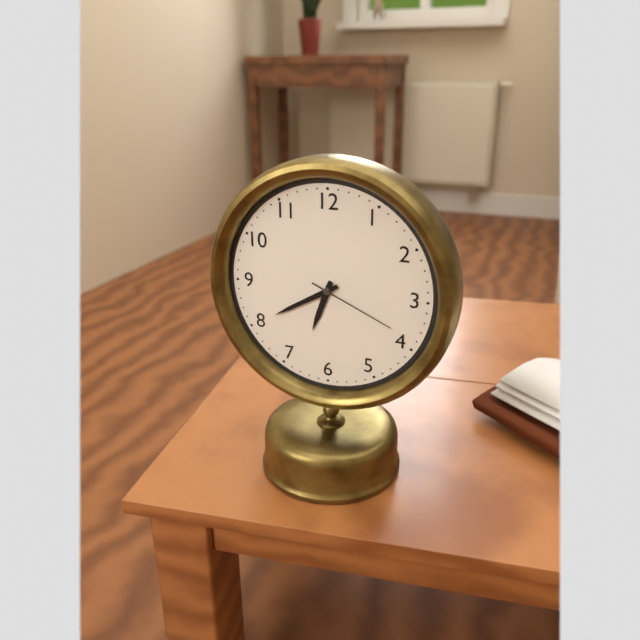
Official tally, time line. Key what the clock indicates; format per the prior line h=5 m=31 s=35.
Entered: h=6 m=40 s=19
